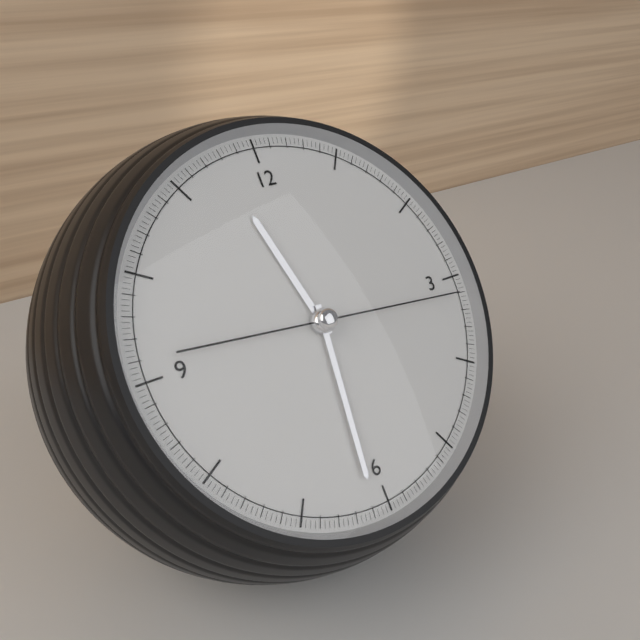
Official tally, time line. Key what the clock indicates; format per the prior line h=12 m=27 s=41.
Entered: h=11 m=31 s=16
